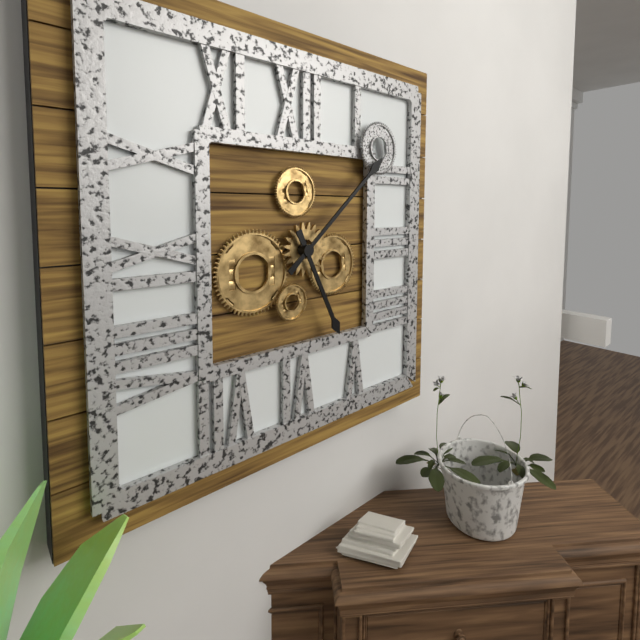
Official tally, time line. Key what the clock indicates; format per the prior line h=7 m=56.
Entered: h=5 m=8
